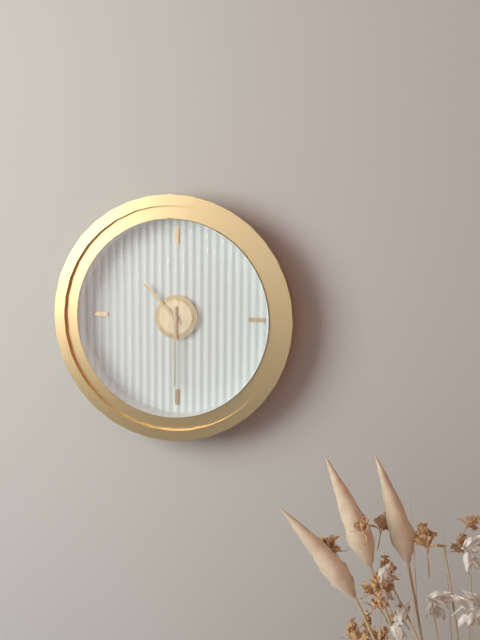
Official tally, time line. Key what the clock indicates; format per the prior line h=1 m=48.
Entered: h=10 m=30
